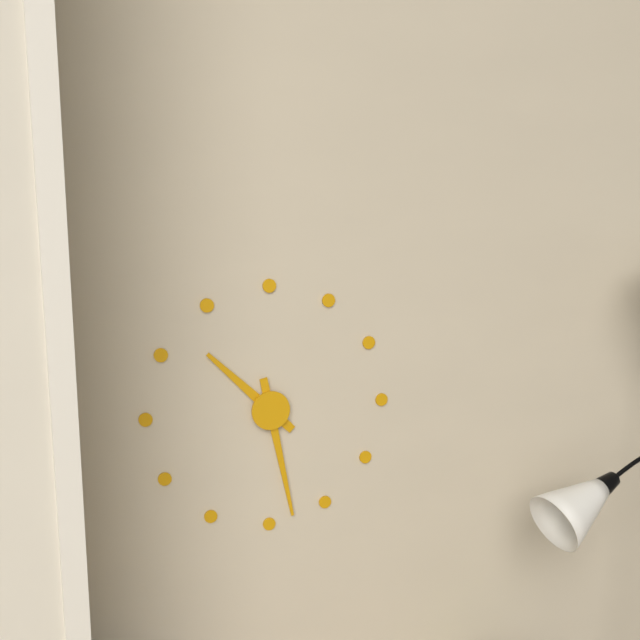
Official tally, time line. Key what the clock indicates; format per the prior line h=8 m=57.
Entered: h=10 m=28
